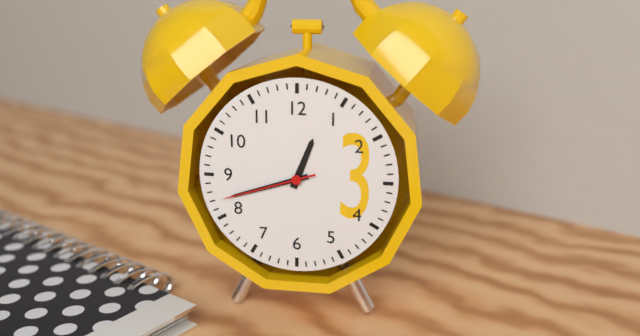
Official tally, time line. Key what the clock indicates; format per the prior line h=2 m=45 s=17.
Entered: h=12 m=42 s=42
